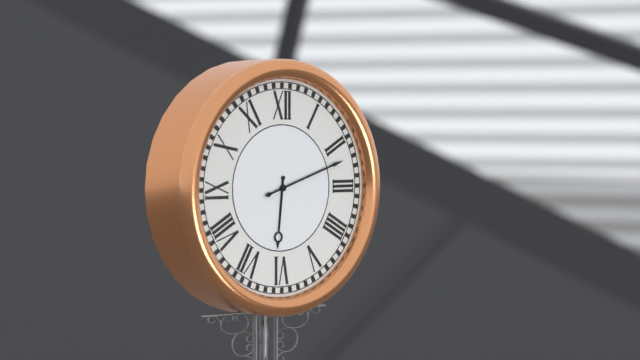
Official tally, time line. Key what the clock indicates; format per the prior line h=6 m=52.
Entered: h=6 m=12
